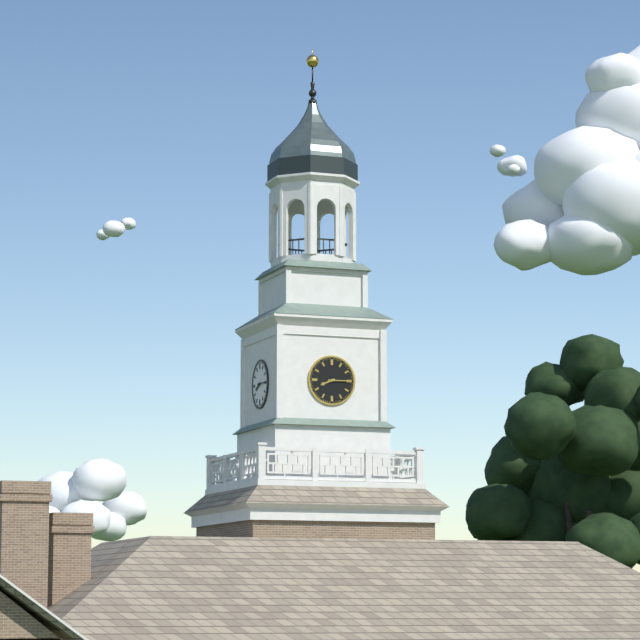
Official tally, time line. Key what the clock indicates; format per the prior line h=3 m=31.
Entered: h=8 m=15
